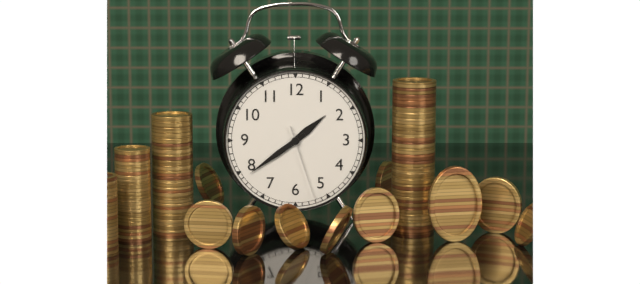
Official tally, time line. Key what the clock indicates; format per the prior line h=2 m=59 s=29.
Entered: h=1 m=39 s=27
